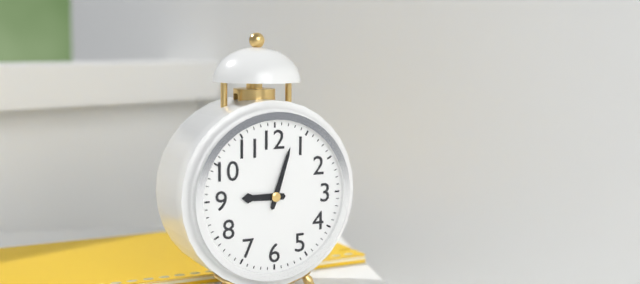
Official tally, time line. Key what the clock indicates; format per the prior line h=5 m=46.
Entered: h=9 m=3
